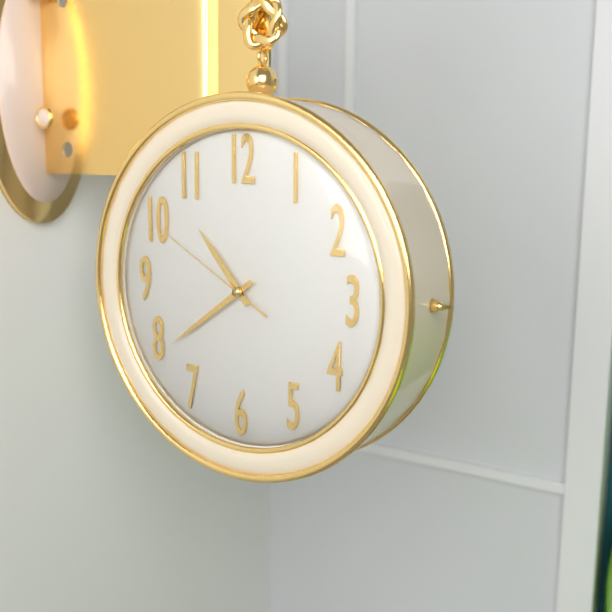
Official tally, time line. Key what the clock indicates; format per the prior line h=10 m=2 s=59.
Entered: h=10 m=39 s=50
